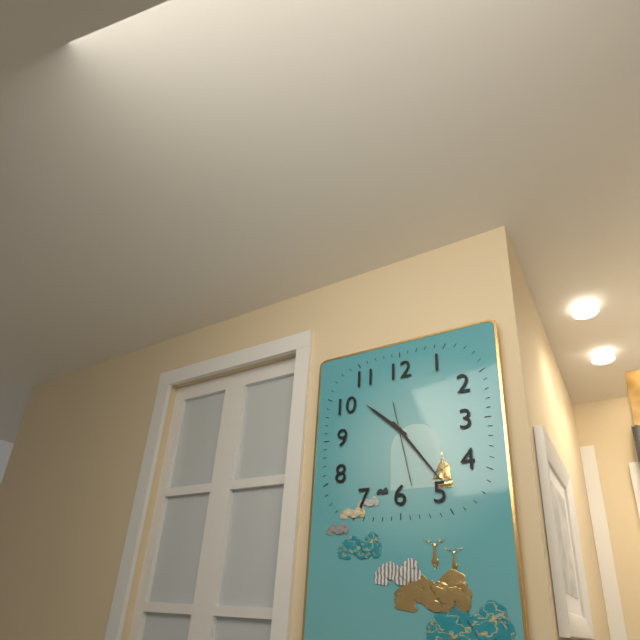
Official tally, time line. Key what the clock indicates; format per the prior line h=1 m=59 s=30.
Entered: h=10 m=24 s=28
